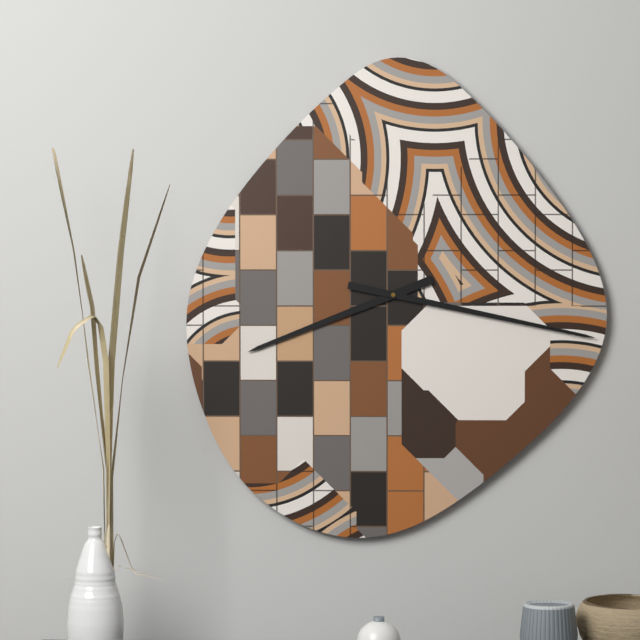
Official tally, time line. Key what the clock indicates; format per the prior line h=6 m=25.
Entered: h=8 m=17
